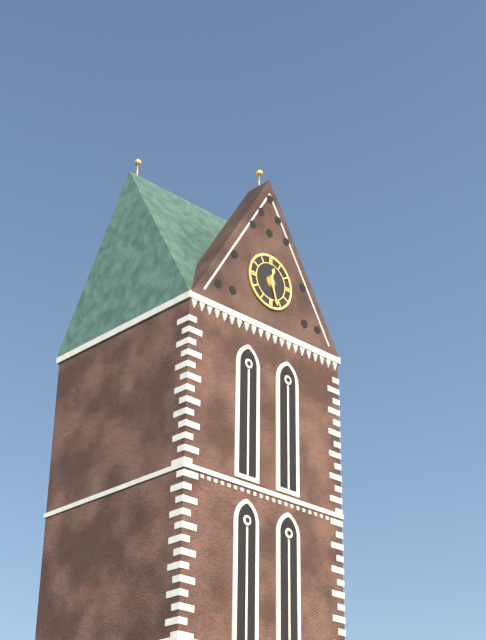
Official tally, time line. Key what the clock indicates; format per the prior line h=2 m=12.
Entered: h=12 m=27
